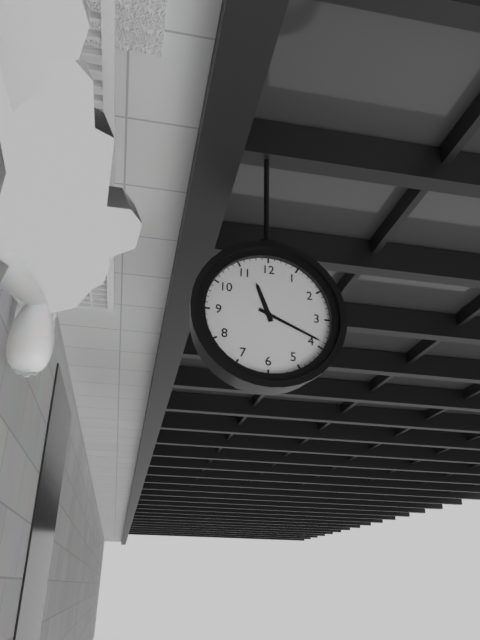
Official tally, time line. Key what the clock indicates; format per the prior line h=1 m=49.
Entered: h=11 m=19
